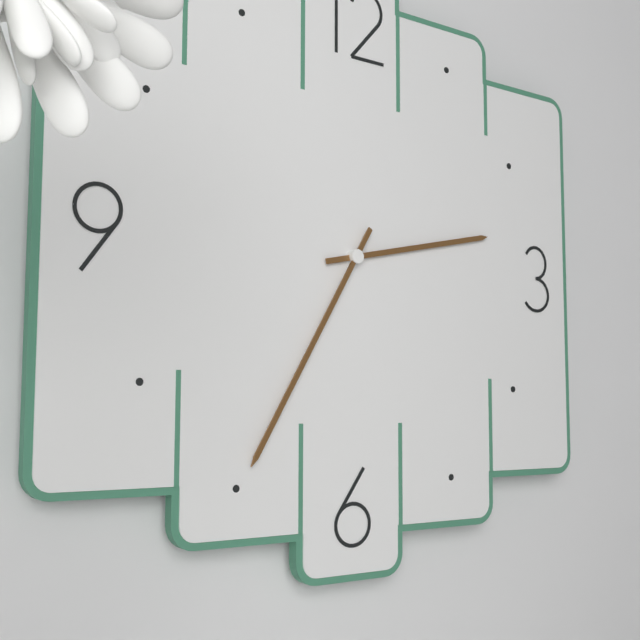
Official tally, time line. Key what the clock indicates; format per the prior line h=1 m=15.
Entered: h=2 m=35
